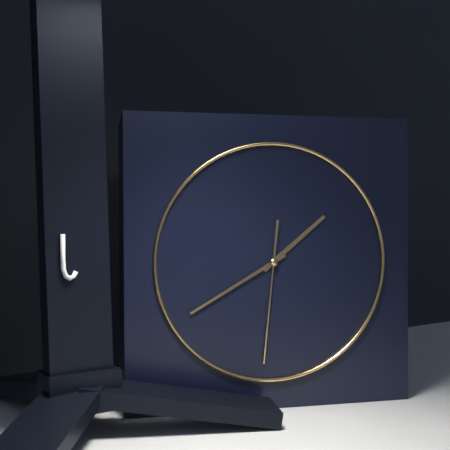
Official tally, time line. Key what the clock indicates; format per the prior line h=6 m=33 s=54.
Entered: h=1 m=40 s=31
